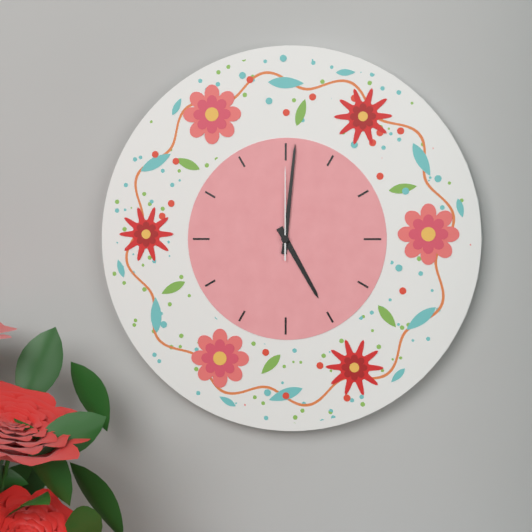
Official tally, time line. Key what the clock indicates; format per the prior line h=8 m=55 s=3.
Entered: h=5 m=1 s=0
